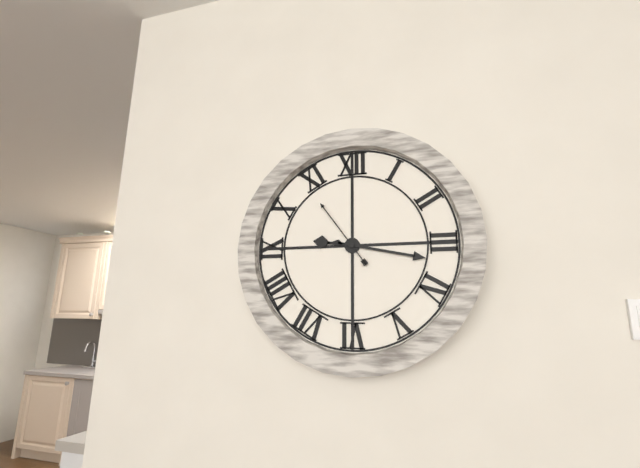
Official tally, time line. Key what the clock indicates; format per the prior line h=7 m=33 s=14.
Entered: h=9 m=17 s=54
